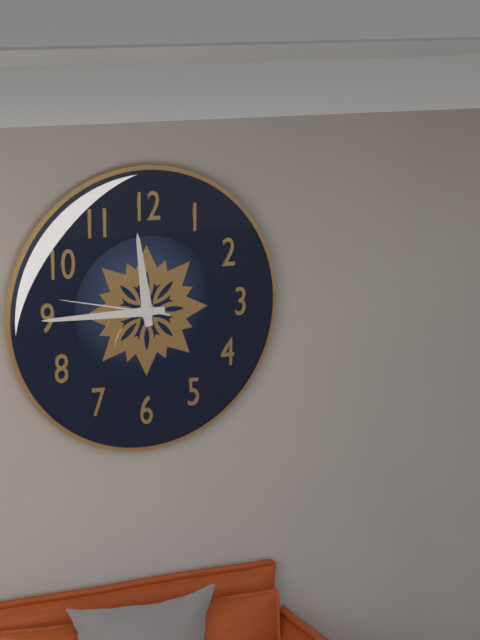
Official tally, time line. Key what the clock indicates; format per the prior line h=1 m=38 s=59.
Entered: h=11 m=45 s=47
